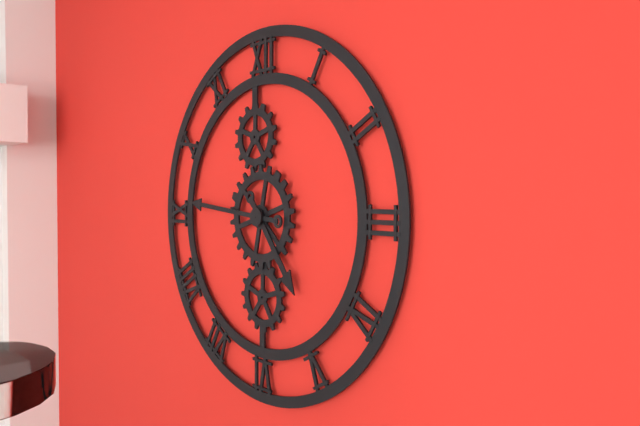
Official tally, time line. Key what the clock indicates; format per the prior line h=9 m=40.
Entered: h=4 m=46
